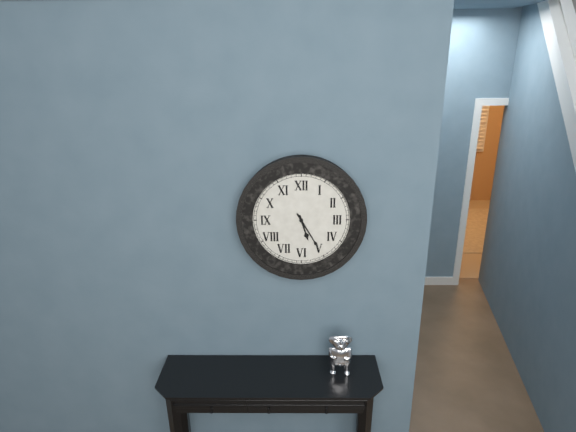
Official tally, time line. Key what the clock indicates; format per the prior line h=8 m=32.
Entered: h=5 m=25
